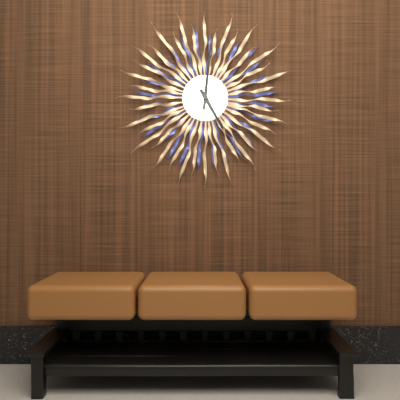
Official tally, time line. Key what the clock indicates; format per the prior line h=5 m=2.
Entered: h=5 m=1
